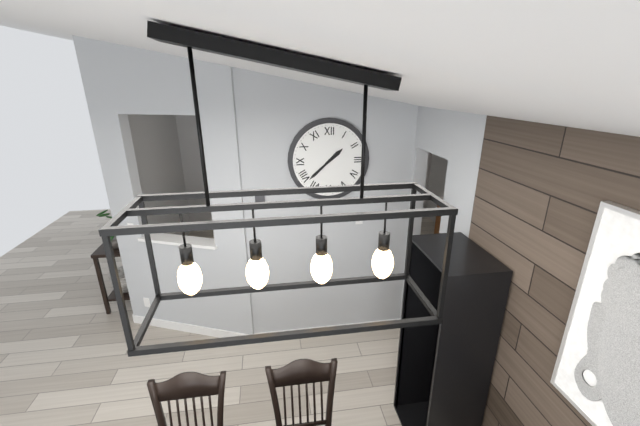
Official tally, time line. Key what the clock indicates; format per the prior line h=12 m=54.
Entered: h=1 m=38
